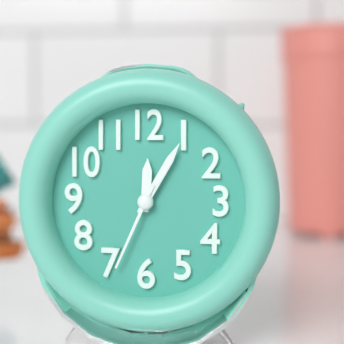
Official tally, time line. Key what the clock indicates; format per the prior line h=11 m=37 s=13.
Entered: h=12 m=5 s=34
